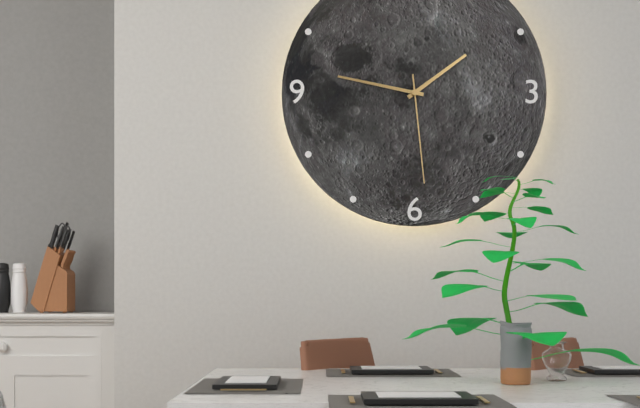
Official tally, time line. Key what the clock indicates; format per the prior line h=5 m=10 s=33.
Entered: h=1 m=47 s=29
